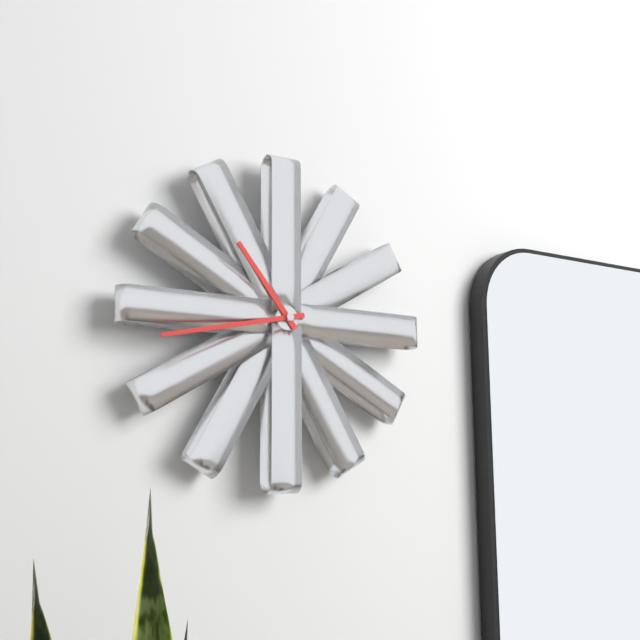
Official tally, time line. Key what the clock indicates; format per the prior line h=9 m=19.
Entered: h=10 m=43
